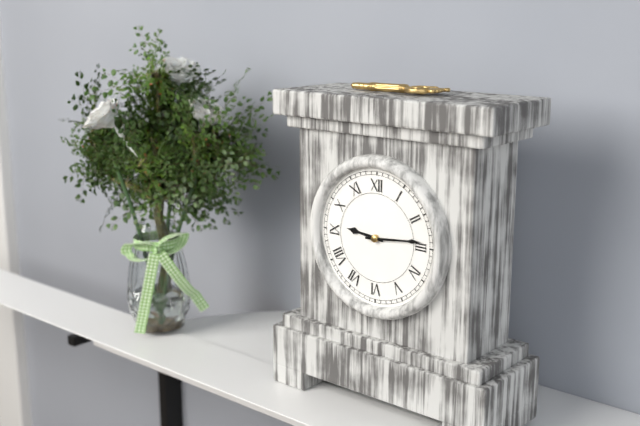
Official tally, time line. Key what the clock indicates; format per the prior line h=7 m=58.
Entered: h=9 m=14
